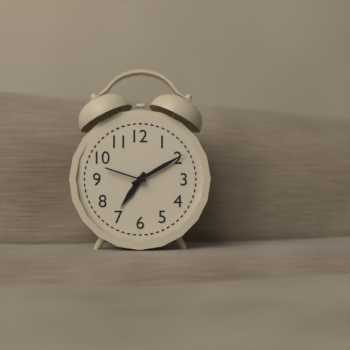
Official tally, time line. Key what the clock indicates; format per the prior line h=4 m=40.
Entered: h=7 m=10
